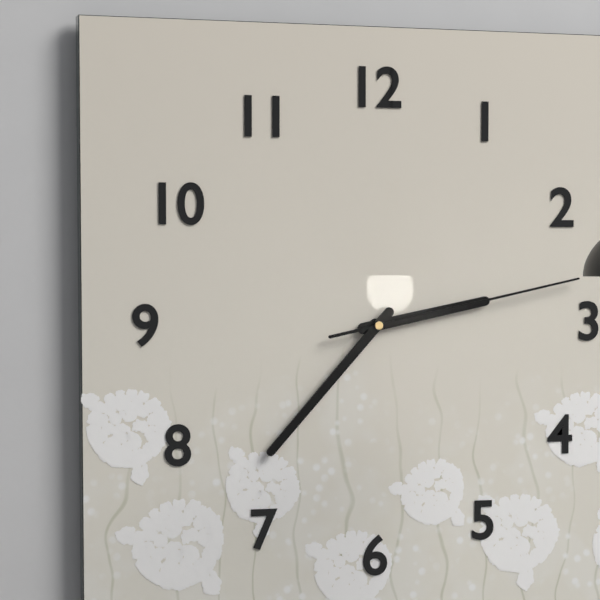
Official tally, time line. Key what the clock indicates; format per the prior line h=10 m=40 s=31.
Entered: h=2 m=37 s=13
